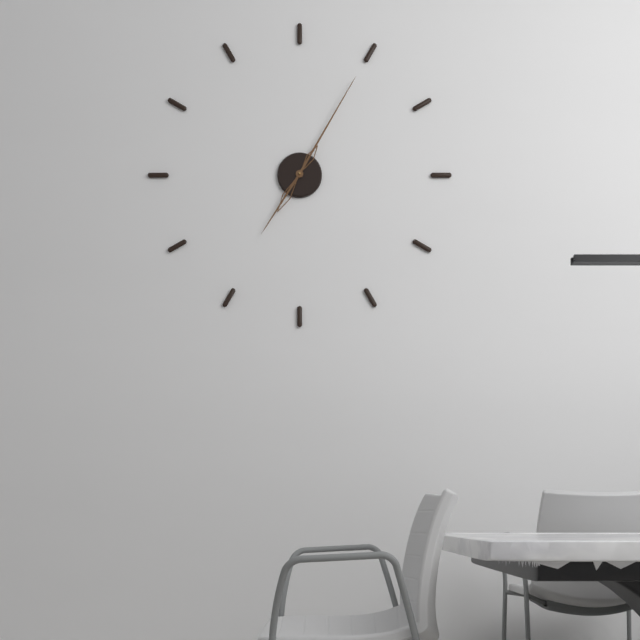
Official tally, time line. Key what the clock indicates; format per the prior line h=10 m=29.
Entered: h=7 m=5
